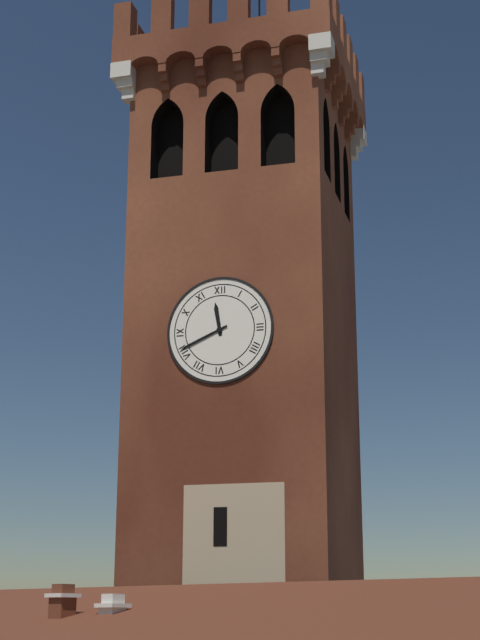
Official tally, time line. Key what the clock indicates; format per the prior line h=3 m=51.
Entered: h=11 m=41
